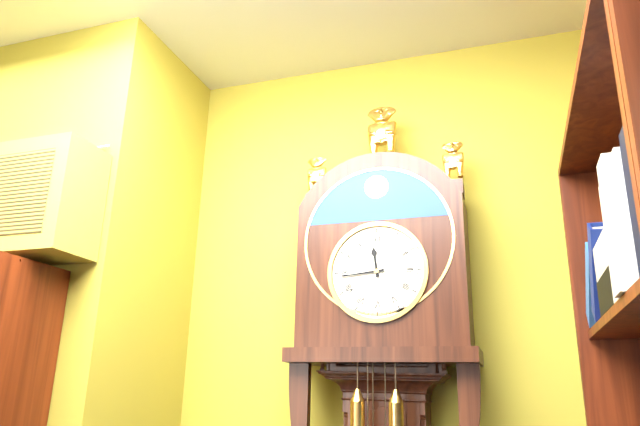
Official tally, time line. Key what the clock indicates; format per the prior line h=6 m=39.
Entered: h=11 m=44
